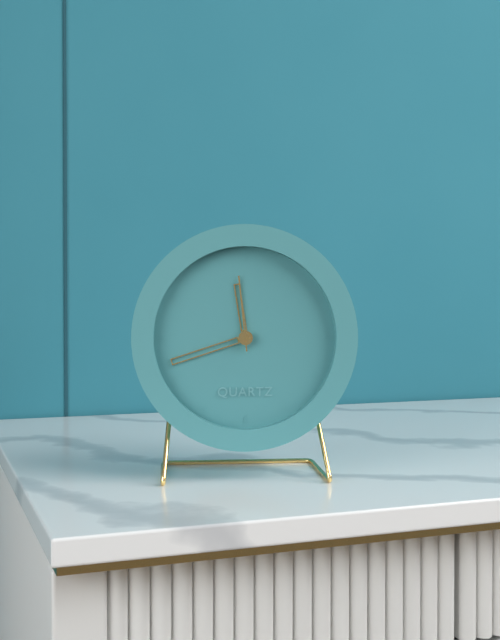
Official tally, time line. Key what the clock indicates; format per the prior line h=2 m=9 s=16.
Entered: h=11 m=42 s=59
